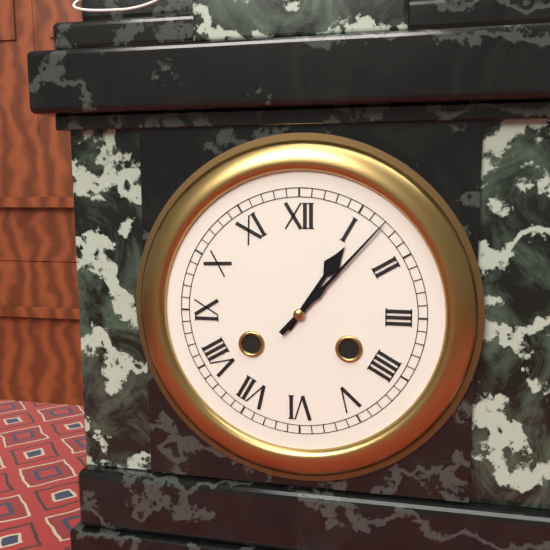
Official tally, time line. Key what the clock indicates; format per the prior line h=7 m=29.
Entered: h=1 m=7
